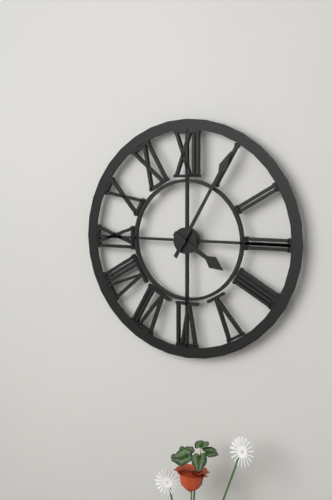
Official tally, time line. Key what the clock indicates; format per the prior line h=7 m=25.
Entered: h=4 m=5
